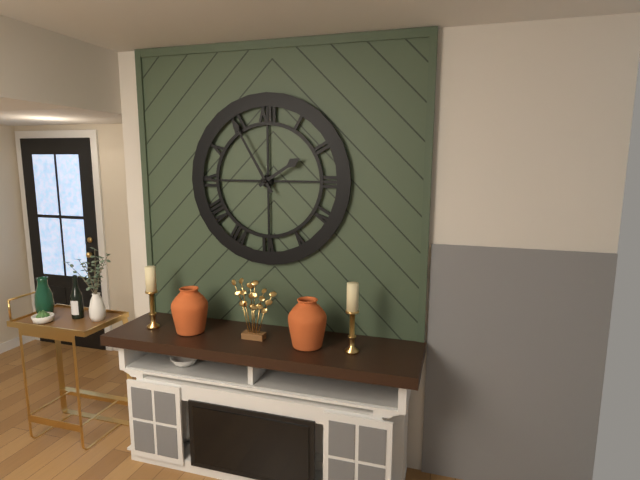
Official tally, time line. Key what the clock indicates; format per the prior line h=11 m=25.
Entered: h=1 m=55
